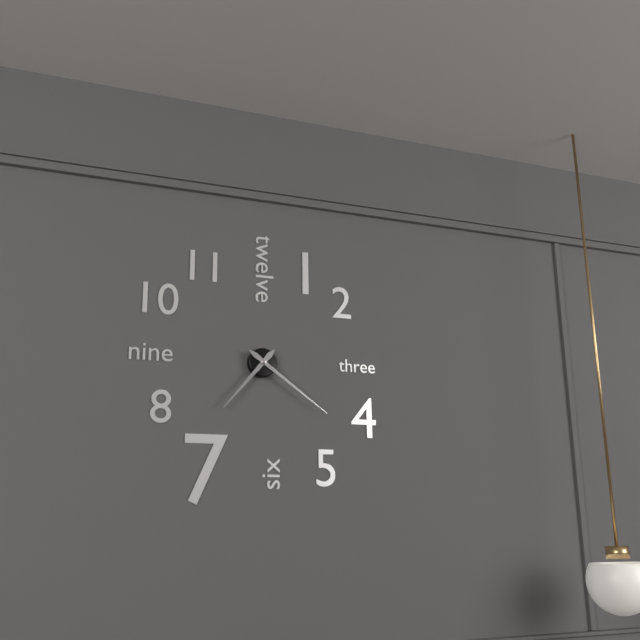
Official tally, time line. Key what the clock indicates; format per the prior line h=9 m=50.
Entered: h=7 m=21
